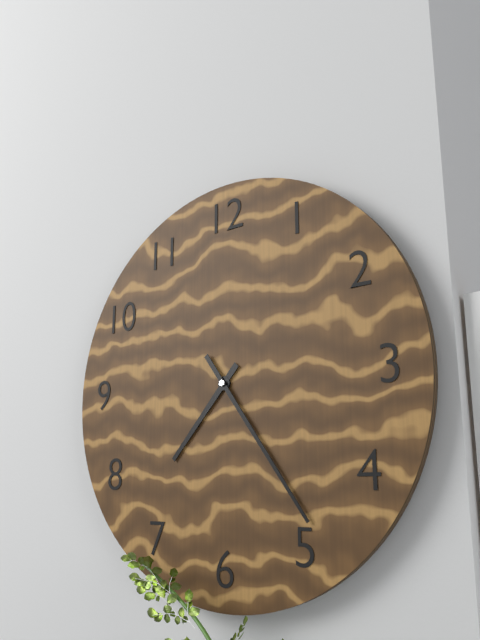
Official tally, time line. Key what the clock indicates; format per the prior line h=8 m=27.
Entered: h=7 m=24
